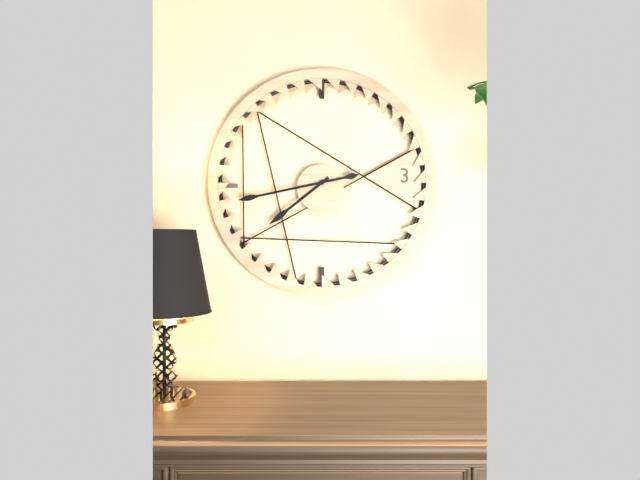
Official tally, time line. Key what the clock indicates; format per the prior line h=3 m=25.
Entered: h=7 m=43
